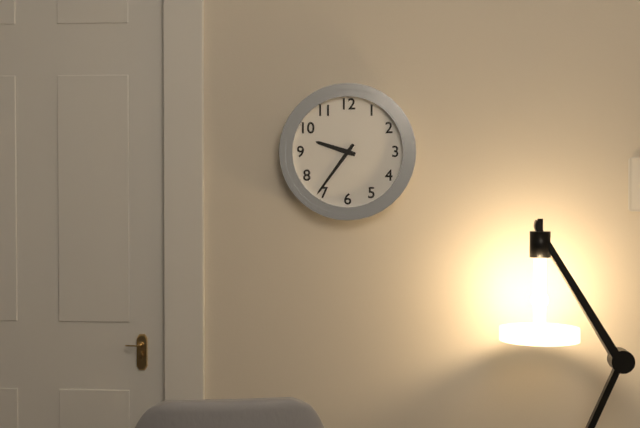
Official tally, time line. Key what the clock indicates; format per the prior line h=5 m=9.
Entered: h=9 m=36
